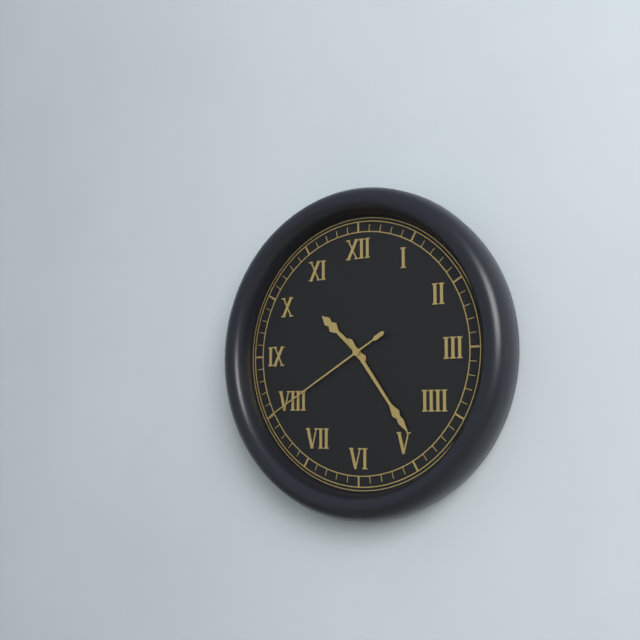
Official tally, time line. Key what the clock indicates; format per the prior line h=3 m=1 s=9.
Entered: h=10 m=24 s=40
